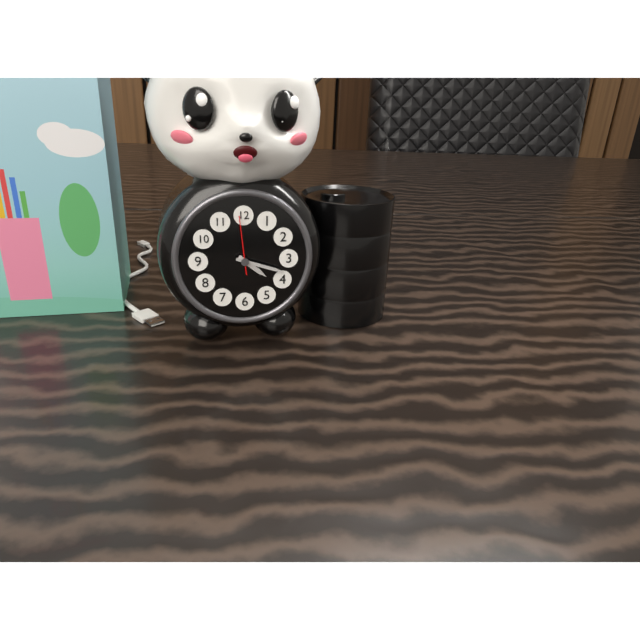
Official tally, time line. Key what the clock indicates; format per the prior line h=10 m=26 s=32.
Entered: h=4 m=18 s=59
